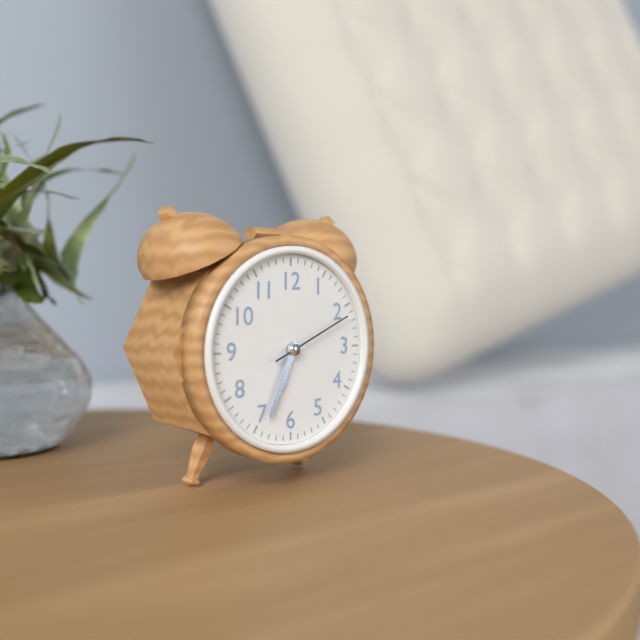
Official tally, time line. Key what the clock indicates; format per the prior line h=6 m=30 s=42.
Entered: h=6 m=34 s=11
